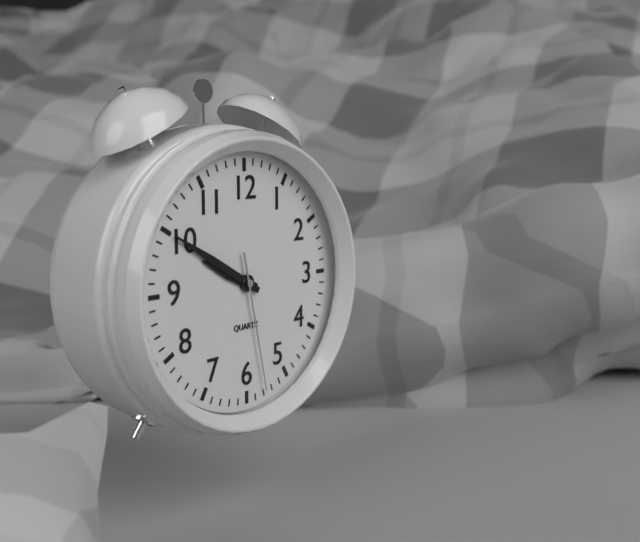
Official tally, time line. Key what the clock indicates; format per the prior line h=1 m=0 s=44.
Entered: h=9 m=50 s=28
